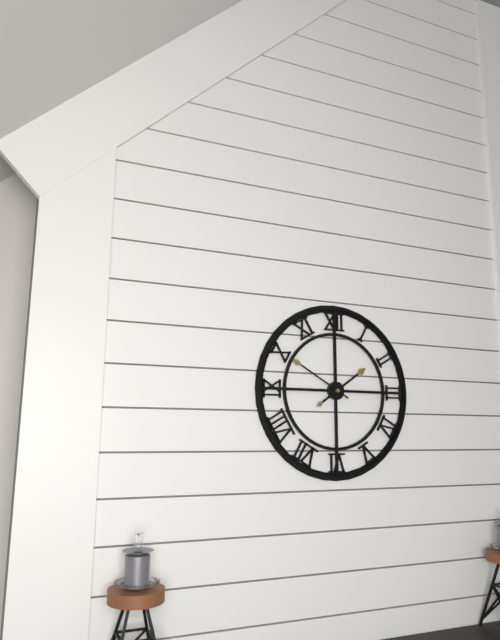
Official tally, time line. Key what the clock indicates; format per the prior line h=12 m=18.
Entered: h=1 m=50
